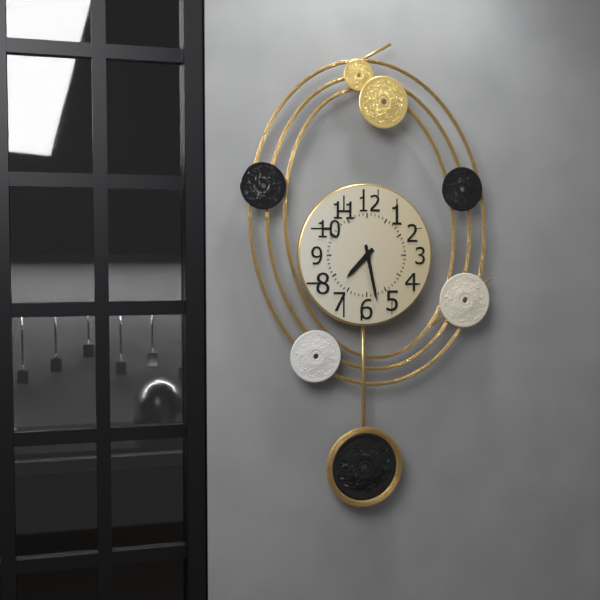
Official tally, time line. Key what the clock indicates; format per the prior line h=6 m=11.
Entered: h=7 m=28
